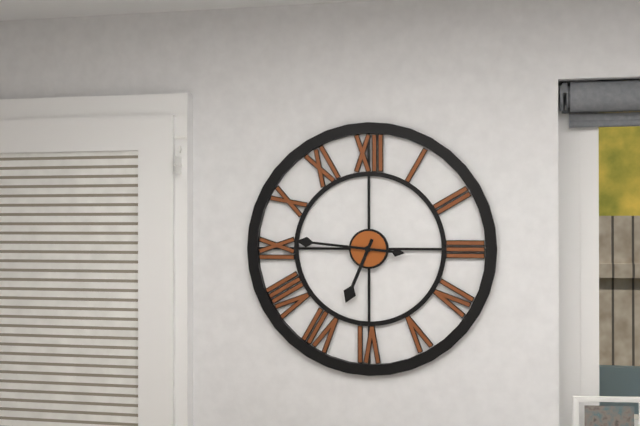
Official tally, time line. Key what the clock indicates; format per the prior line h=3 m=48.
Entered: h=6 m=46
